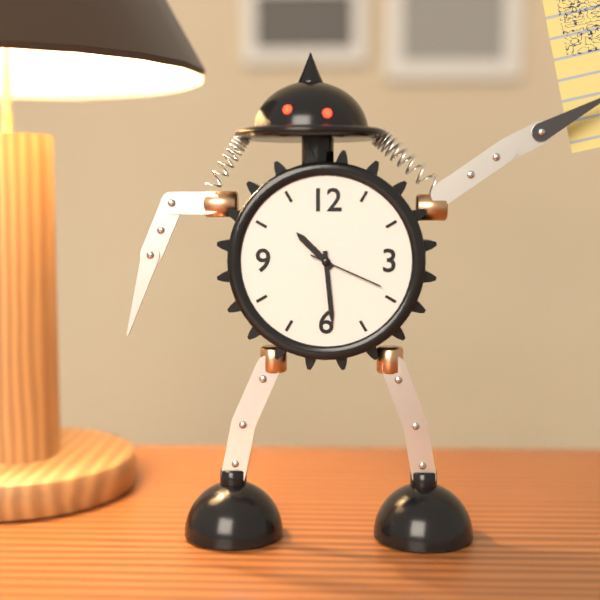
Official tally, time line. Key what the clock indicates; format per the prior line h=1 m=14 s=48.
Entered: h=10 m=29 s=19
